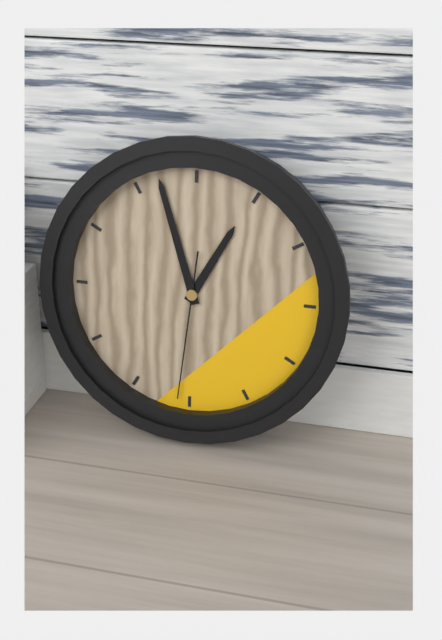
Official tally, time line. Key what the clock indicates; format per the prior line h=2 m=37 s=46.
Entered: h=12 m=57 s=31
